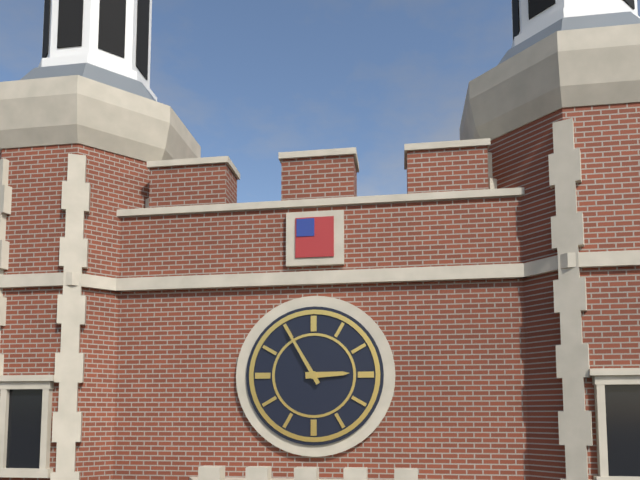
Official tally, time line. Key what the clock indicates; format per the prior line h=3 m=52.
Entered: h=2 m=55
